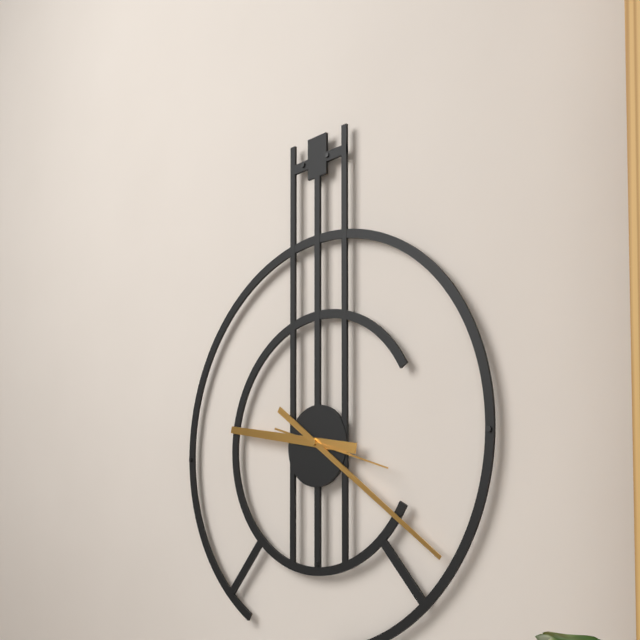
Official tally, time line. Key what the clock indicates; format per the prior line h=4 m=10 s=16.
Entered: h=9 m=21 s=18
